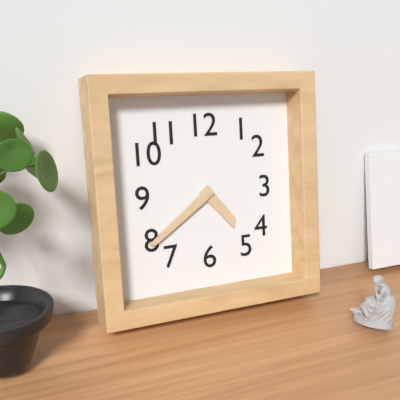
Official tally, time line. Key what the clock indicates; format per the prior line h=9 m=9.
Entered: h=4 m=39
